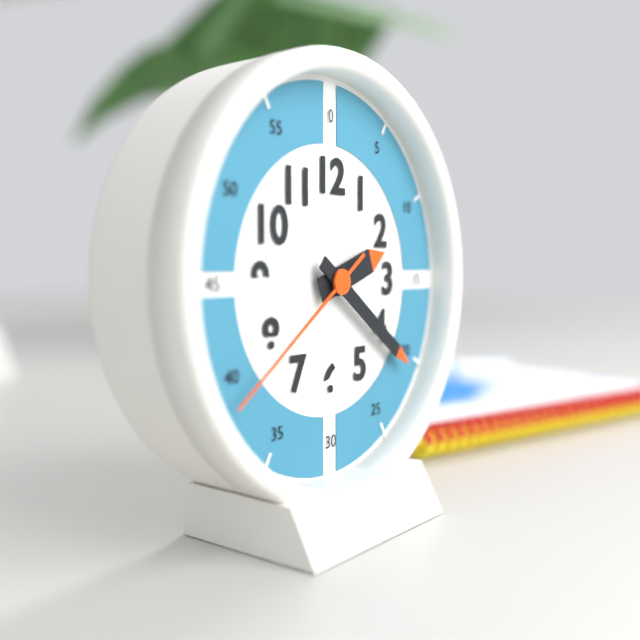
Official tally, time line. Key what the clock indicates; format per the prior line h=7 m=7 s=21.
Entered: h=2 m=21 s=39
